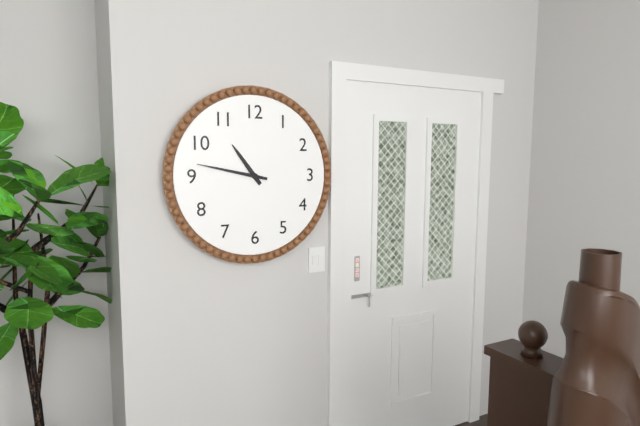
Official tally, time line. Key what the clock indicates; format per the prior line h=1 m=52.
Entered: h=10 m=47
